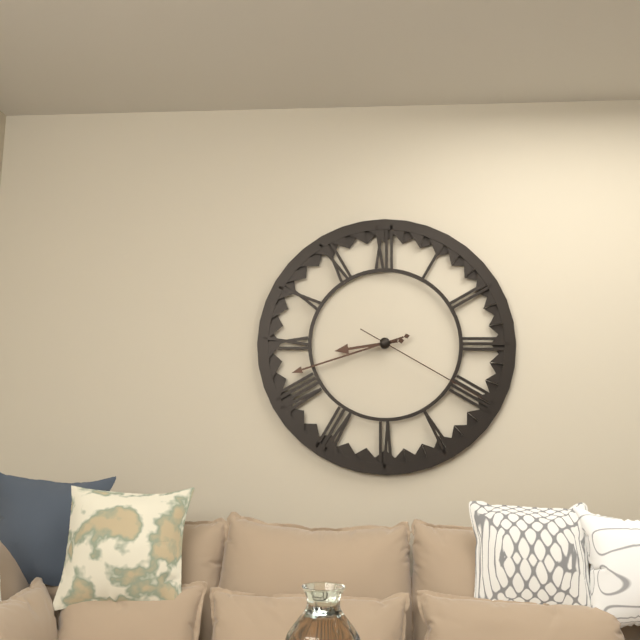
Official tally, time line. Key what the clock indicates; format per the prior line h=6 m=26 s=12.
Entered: h=8 m=42 s=20
